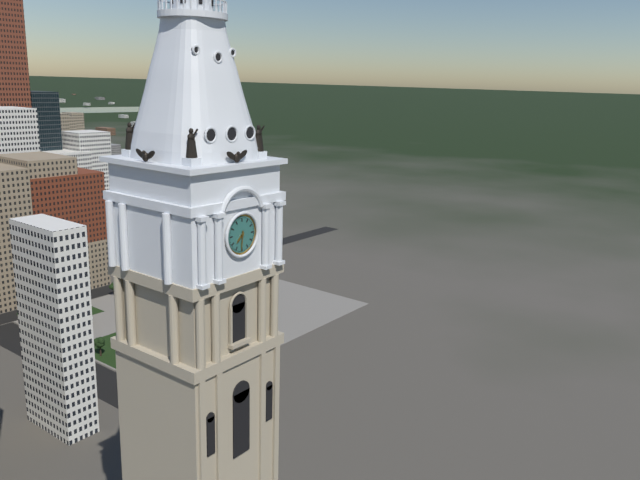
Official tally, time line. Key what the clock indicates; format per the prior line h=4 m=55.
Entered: h=7 m=31
